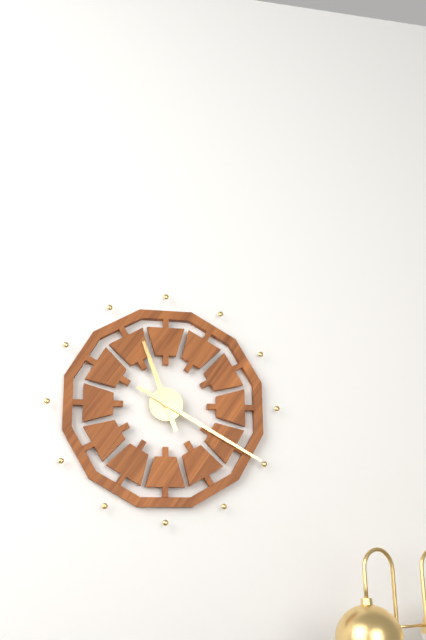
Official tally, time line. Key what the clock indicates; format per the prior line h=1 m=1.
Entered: h=11 m=20
